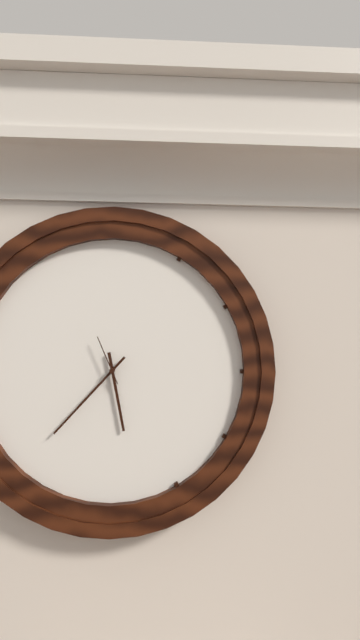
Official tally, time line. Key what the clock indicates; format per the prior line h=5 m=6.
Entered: h=5 m=37
